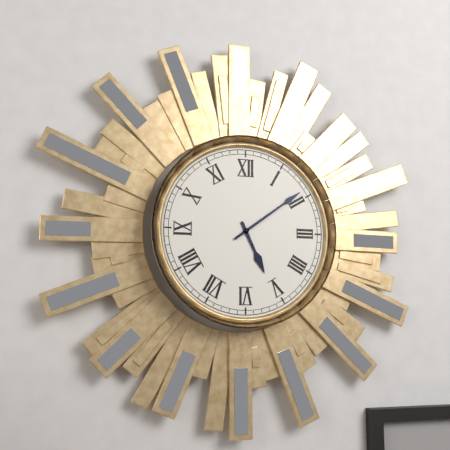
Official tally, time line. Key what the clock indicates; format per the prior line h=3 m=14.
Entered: h=5 m=9
